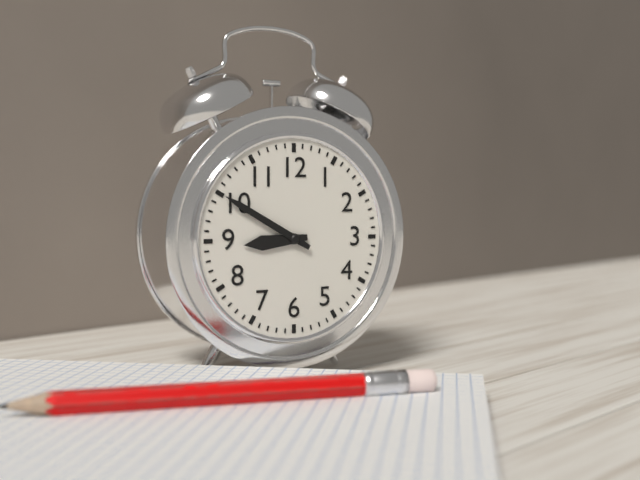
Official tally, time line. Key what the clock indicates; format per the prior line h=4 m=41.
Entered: h=8 m=50
